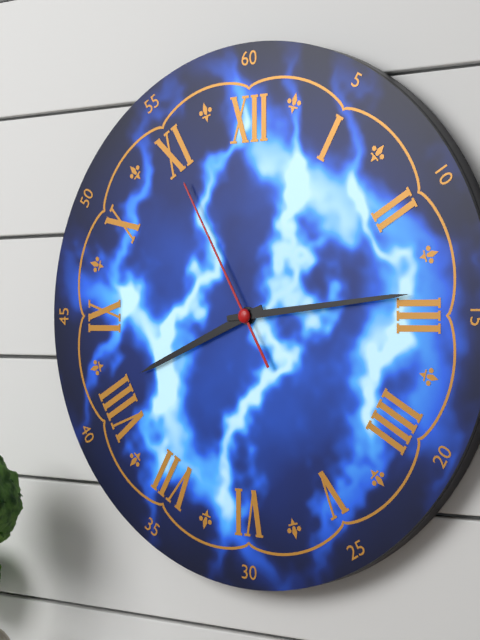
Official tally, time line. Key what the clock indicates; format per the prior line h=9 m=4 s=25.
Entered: h=8 m=14 s=55
